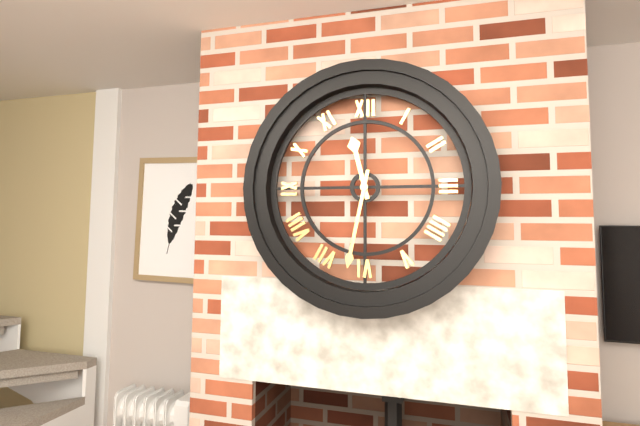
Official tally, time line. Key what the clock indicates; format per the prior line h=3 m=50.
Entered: h=11 m=32
